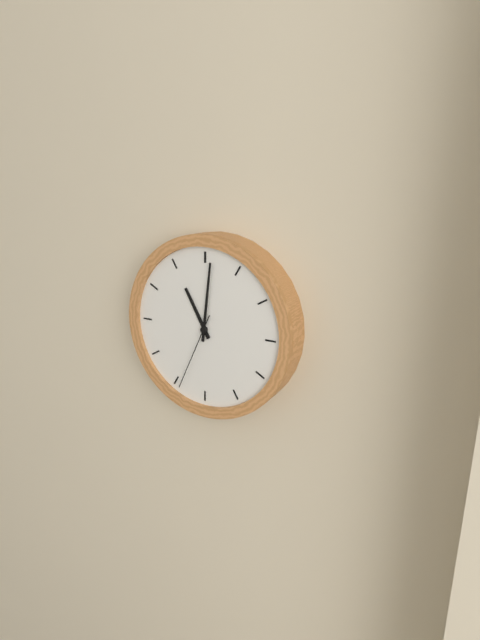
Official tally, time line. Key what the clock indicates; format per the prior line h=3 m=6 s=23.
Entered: h=11 m=1 s=34
